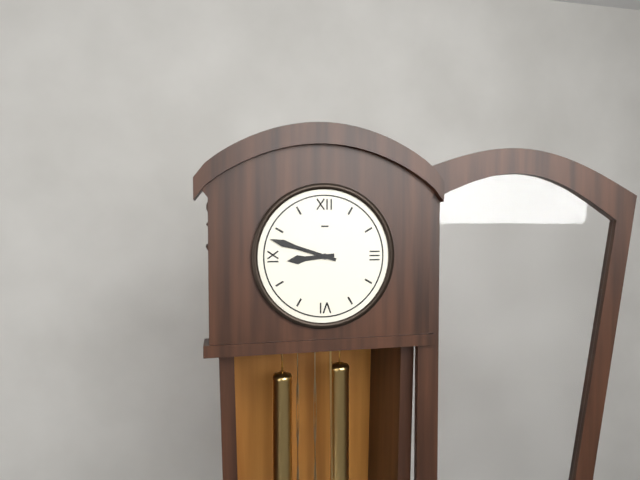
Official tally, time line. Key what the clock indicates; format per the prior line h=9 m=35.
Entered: h=8 m=48
